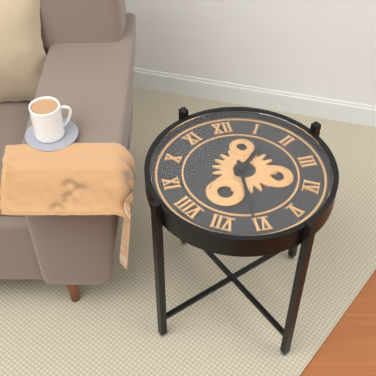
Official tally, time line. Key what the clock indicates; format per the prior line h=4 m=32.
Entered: h=1 m=31
